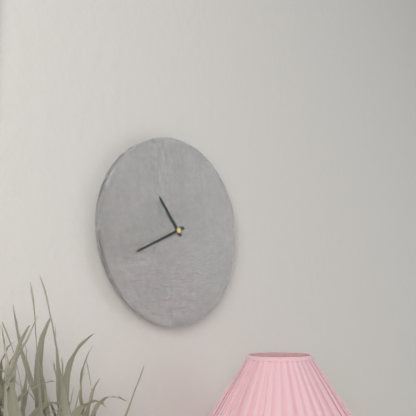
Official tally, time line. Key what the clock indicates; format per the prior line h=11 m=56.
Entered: h=10 m=41
